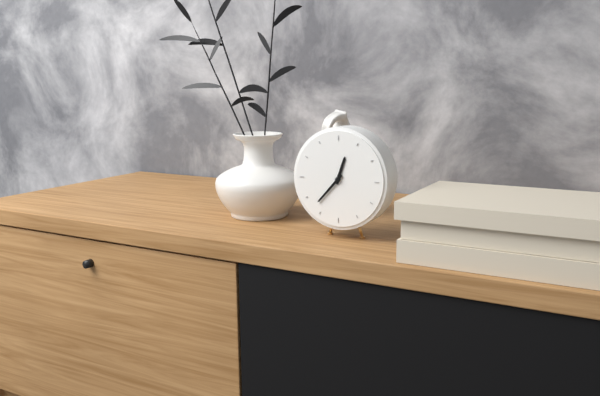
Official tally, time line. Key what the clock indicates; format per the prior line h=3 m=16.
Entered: h=12 m=37
